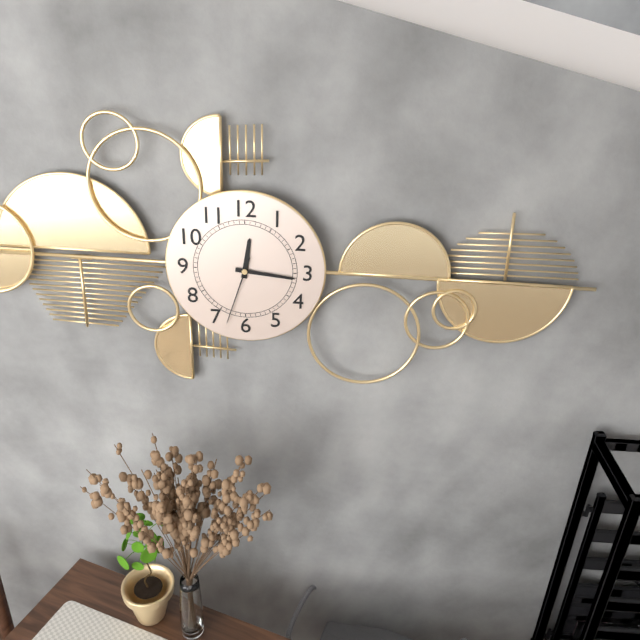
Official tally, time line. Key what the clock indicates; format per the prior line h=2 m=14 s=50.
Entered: h=12 m=16 s=33
